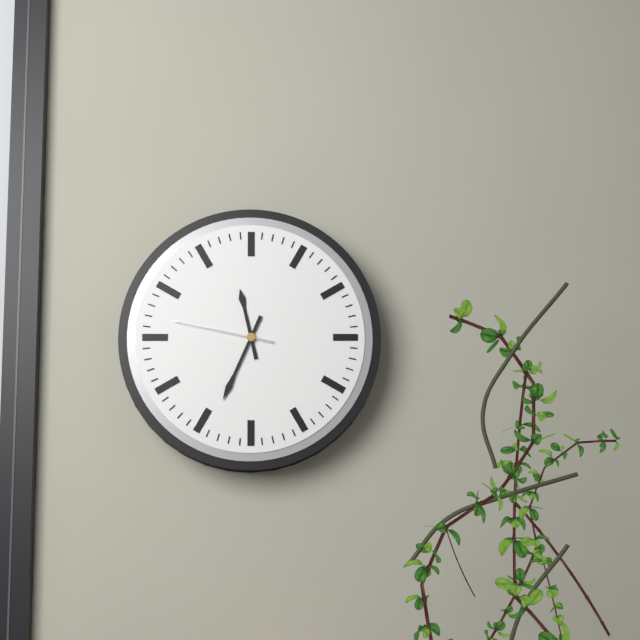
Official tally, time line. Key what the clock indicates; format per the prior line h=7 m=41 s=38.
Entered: h=11 m=34 s=47
